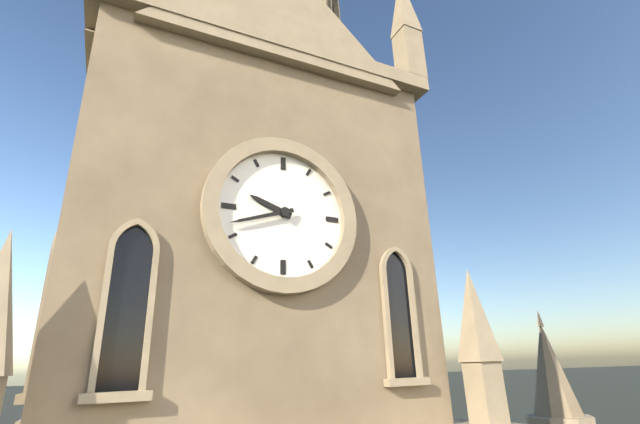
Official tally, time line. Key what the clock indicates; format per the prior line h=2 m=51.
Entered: h=9 m=42
